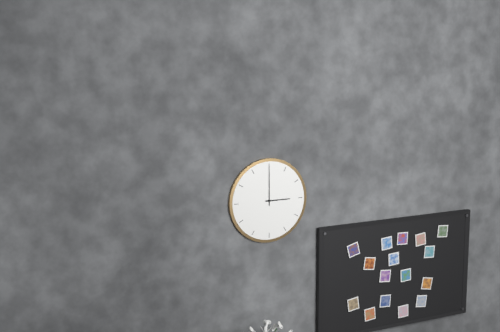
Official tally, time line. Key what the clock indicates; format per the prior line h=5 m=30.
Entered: h=3 m=0
